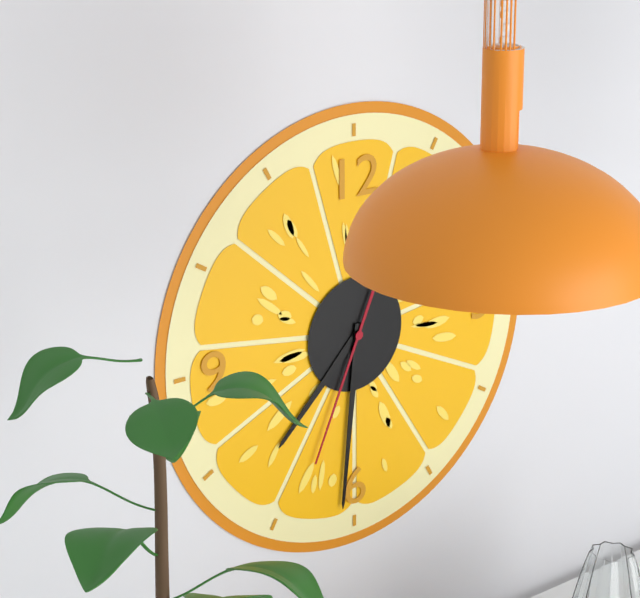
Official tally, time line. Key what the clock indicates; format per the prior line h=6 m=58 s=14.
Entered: h=7 m=31 s=34
